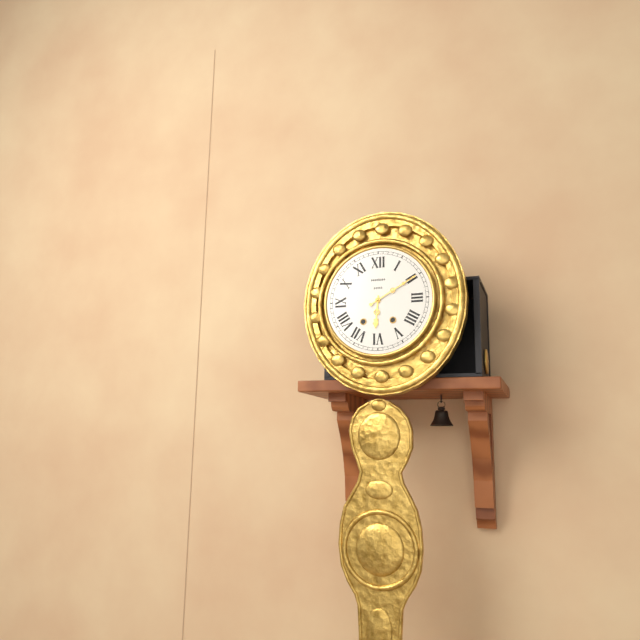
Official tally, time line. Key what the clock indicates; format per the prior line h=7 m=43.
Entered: h=6 m=10
